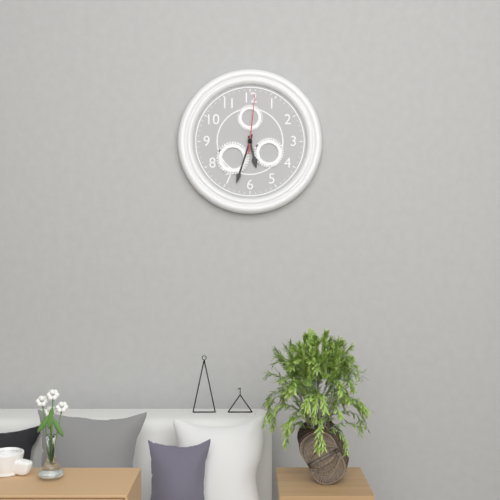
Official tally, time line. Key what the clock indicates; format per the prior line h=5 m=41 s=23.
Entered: h=5 m=33 s=1
